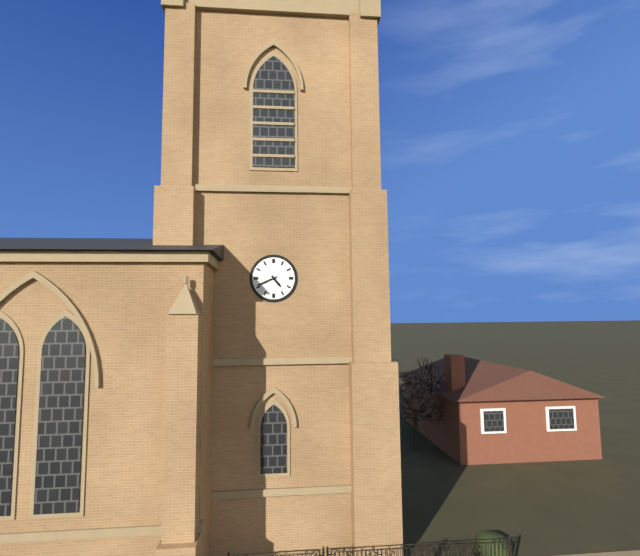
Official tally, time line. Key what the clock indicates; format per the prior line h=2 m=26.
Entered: h=4 m=41
